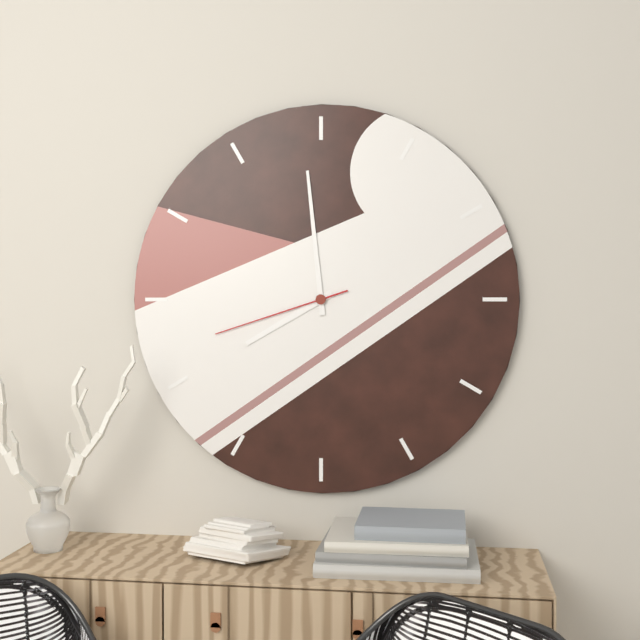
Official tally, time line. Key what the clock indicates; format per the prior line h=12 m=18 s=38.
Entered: h=7 m=59 s=42
